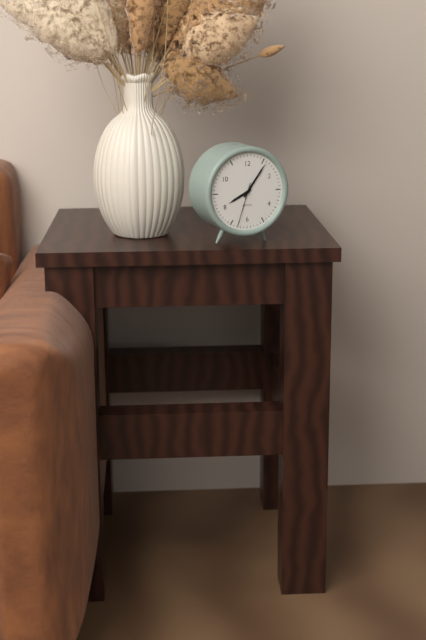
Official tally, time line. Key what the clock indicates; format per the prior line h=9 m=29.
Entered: h=8 m=6
